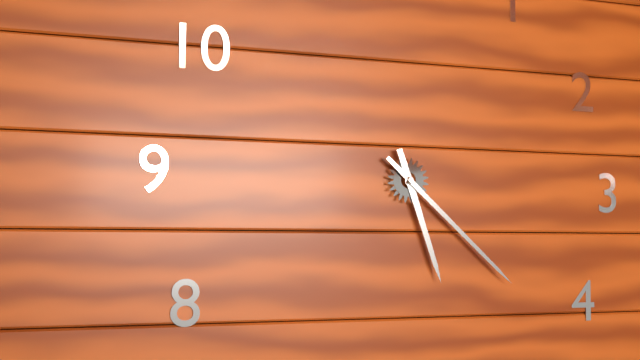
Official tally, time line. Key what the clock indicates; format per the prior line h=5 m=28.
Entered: h=5 m=22
